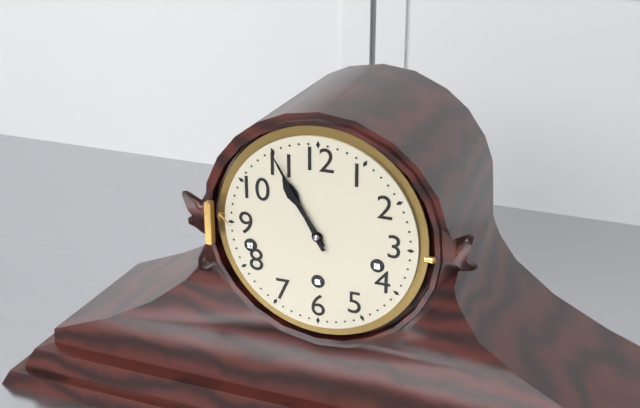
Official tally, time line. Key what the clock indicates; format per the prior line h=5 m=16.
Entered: h=10 m=55
